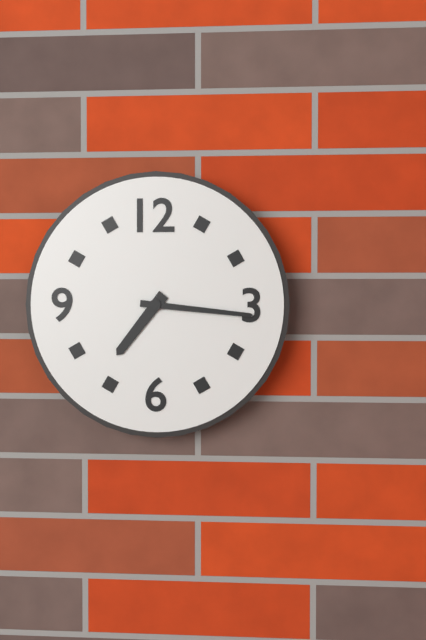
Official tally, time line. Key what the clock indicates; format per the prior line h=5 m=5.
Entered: h=7 m=16
